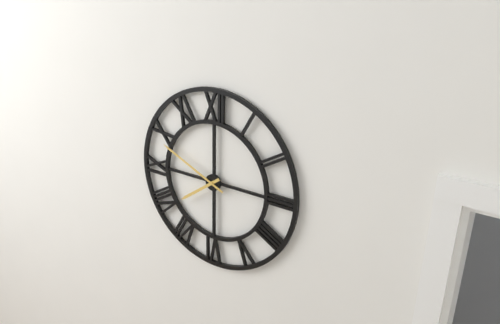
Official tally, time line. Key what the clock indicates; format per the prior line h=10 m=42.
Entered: h=7 m=49
